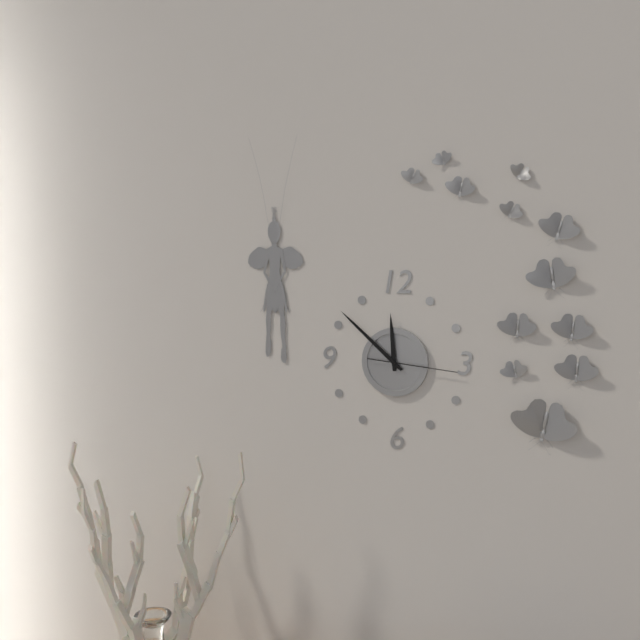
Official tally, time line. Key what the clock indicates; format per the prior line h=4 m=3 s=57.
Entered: h=11 m=52 s=16
